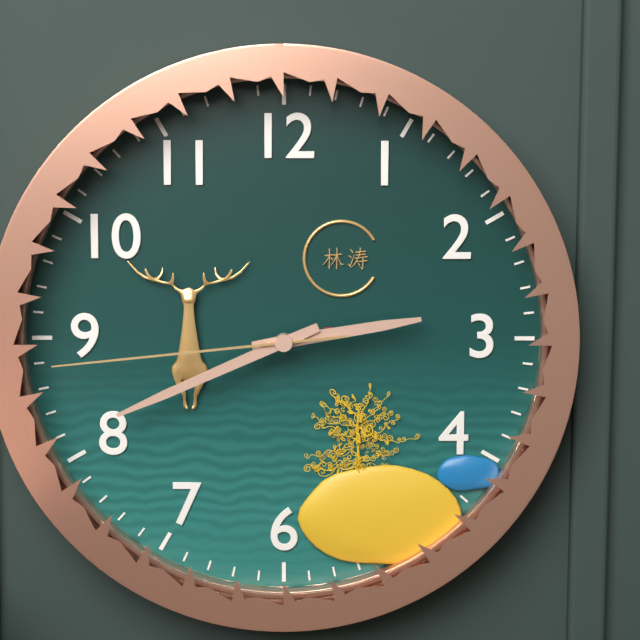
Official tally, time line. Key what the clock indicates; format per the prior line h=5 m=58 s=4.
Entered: h=2 m=41 s=44
